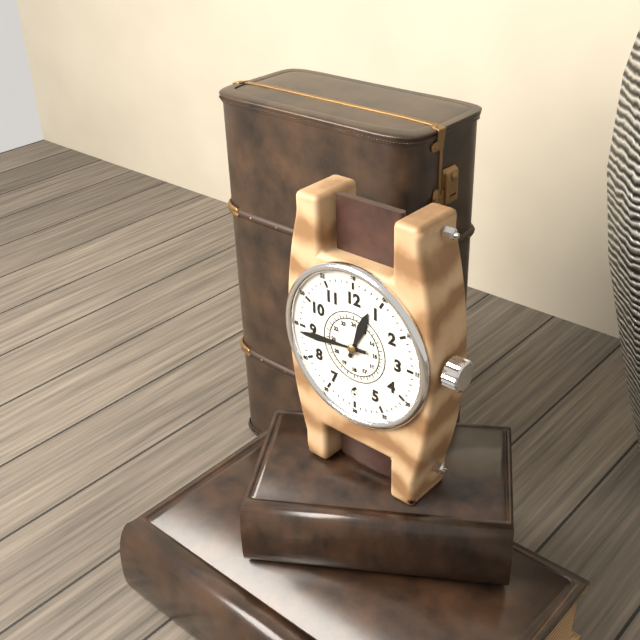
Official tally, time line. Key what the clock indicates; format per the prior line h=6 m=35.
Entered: h=12 m=44
